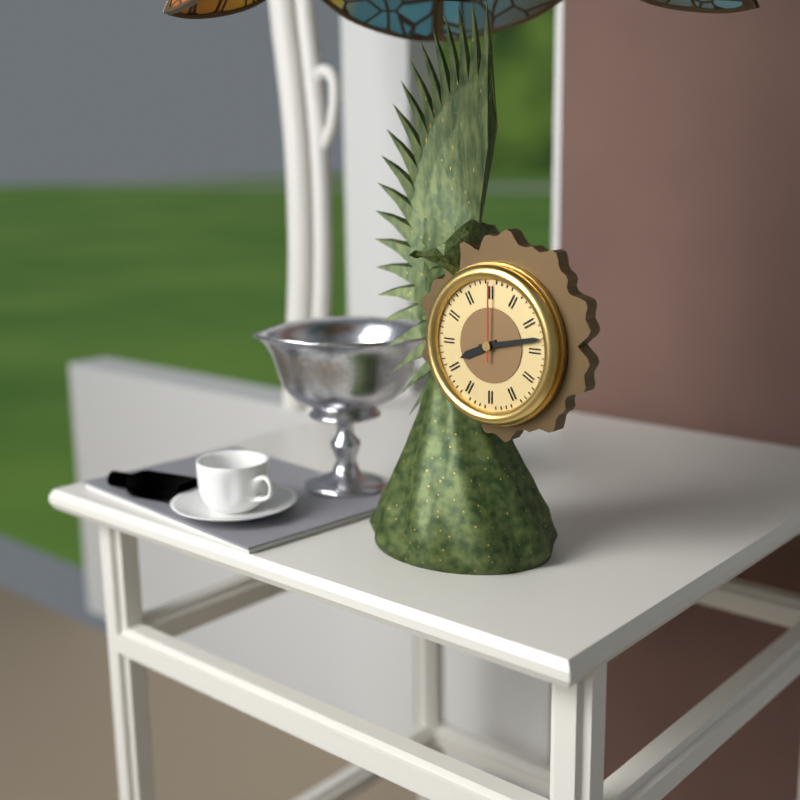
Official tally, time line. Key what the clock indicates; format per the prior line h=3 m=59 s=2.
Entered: h=8 m=13 s=0
